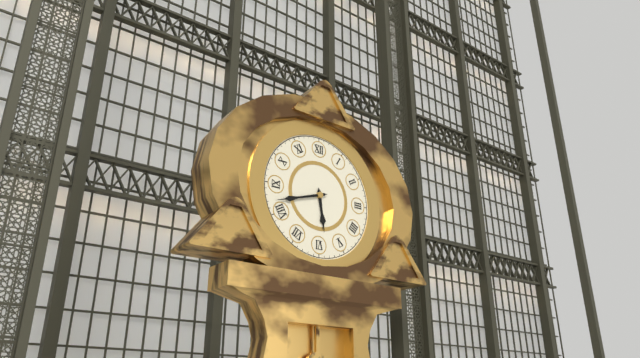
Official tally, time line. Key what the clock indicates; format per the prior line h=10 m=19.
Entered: h=5 m=42
